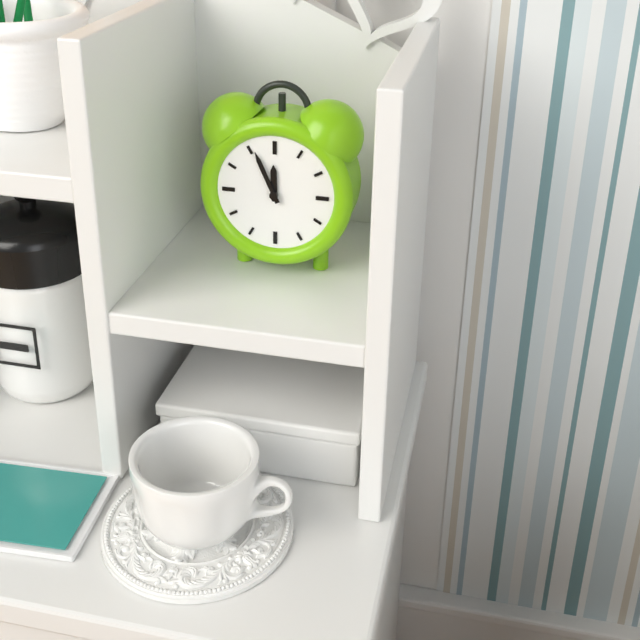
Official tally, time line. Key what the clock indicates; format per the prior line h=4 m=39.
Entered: h=11 m=56
